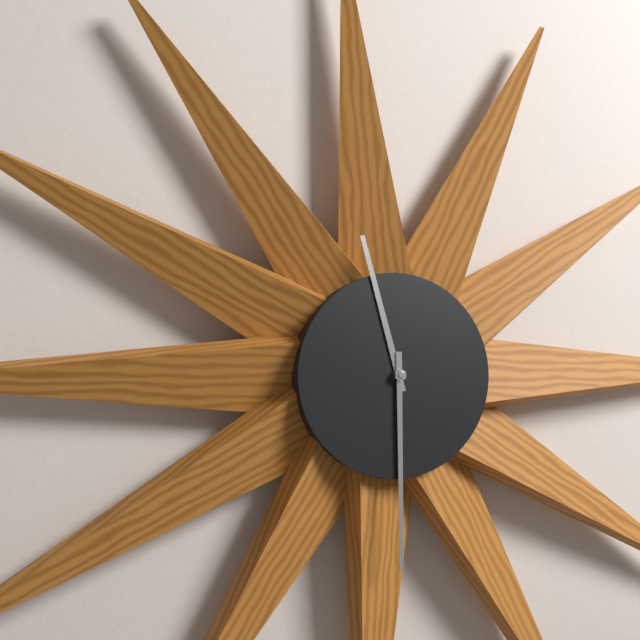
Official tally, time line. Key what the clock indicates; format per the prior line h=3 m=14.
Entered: h=11 m=30
